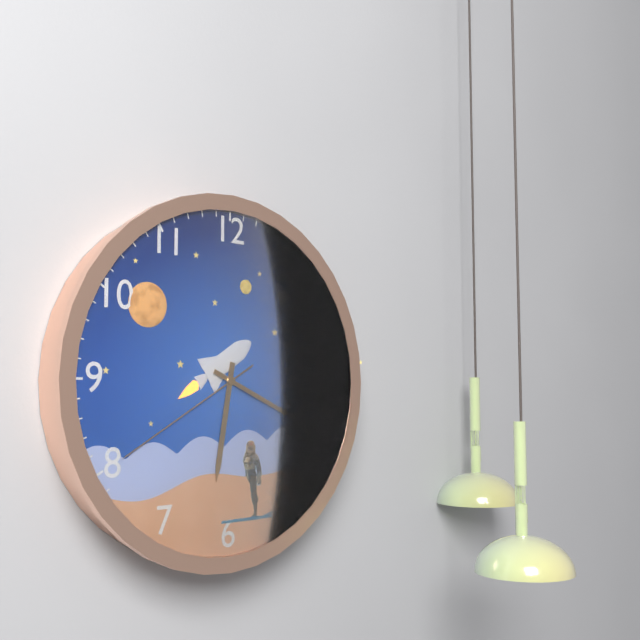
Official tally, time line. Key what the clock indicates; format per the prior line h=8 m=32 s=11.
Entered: h=6 m=19 s=40
